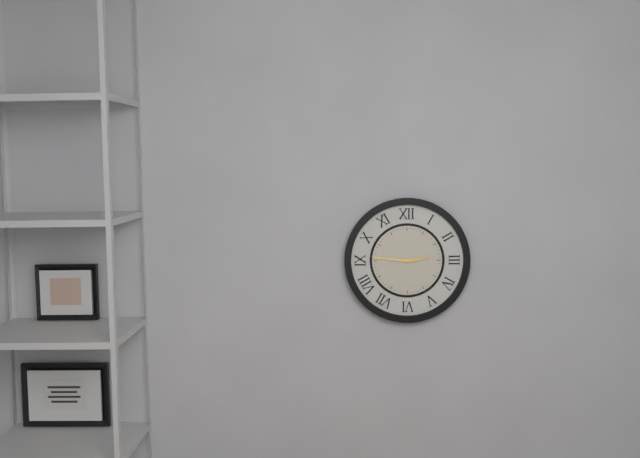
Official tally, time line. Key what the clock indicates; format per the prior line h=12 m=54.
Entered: h=2 m=46
